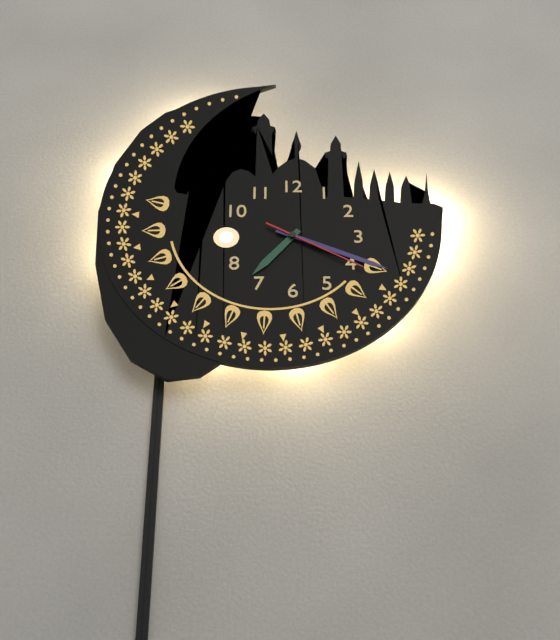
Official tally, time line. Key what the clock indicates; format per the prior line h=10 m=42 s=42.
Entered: h=7 m=19 s=20
